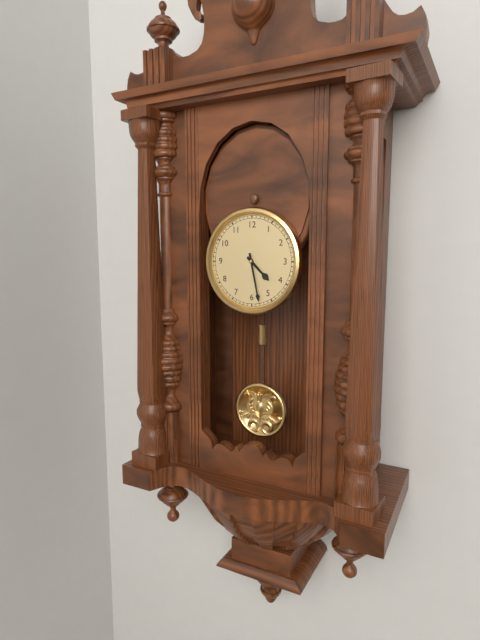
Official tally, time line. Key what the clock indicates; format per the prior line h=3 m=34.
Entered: h=4 m=28
